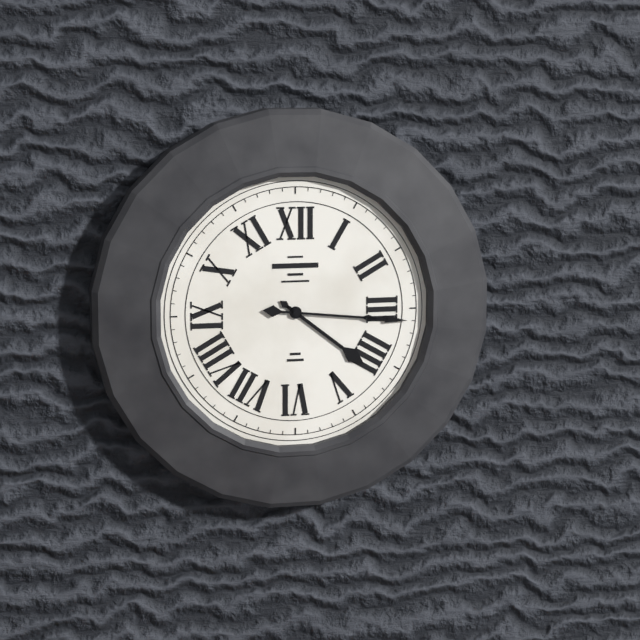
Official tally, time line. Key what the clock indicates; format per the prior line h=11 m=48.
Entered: h=4 m=16
